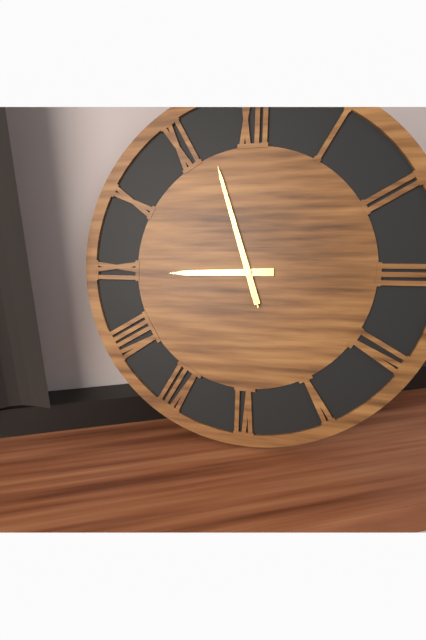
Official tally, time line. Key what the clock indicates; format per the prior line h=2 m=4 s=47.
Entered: h=8 m=57 s=57
